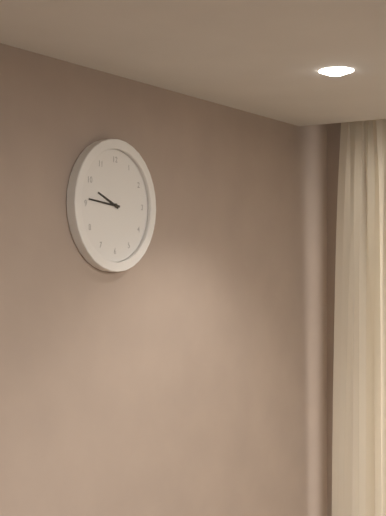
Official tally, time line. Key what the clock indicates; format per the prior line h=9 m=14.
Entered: h=9 m=46
